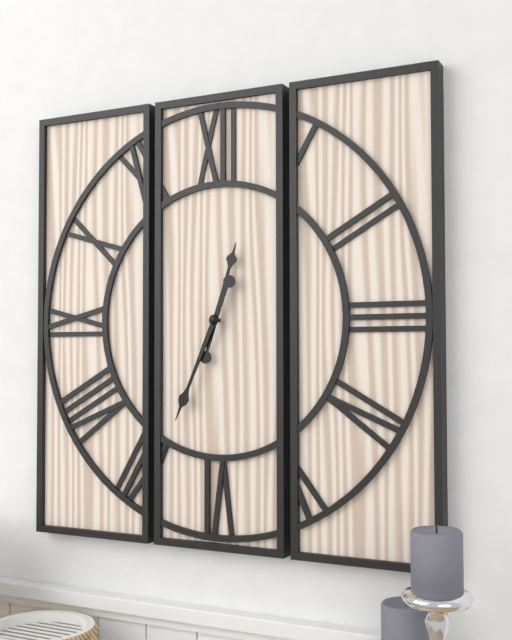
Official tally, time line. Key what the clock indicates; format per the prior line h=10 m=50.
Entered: h=12 m=34
